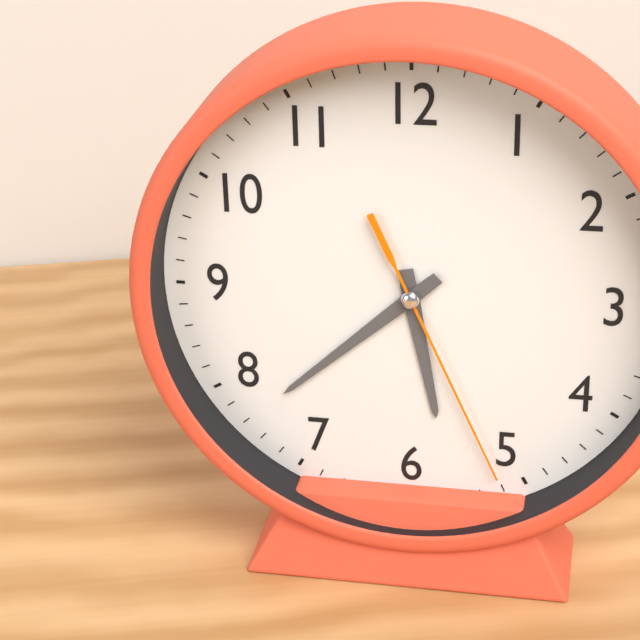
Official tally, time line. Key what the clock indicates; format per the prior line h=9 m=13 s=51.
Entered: h=5 m=38 s=26
